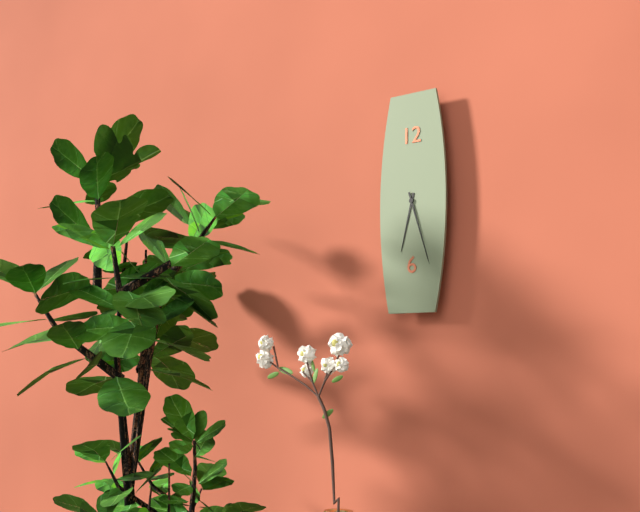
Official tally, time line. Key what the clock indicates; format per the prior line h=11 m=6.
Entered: h=6 m=27
